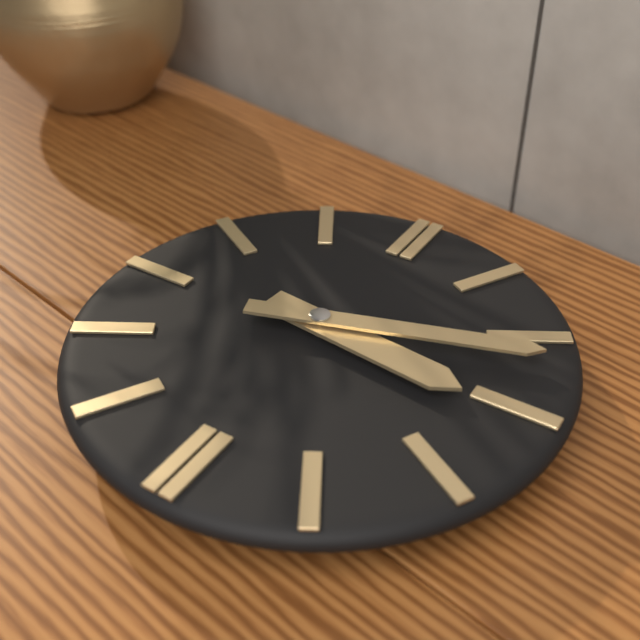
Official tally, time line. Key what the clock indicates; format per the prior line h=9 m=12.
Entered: h=3 m=12
